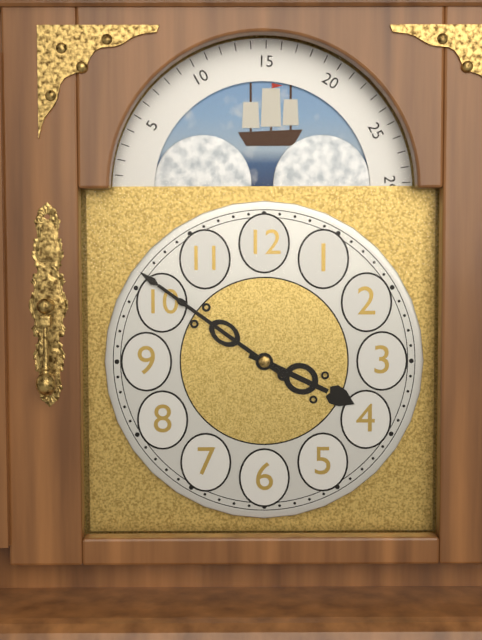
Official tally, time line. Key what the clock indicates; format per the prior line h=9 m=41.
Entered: h=3 m=51
